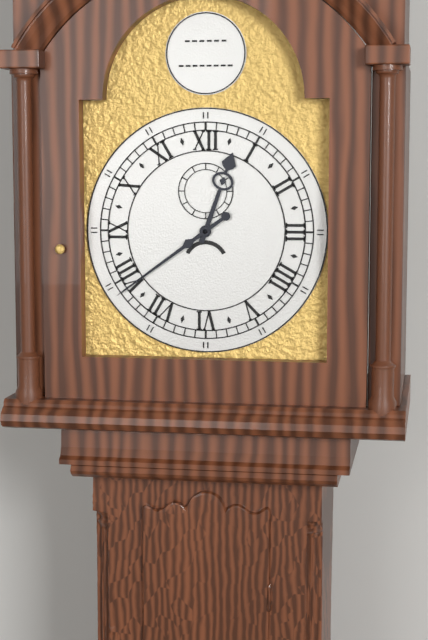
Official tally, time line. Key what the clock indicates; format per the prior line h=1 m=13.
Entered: h=12 m=39
